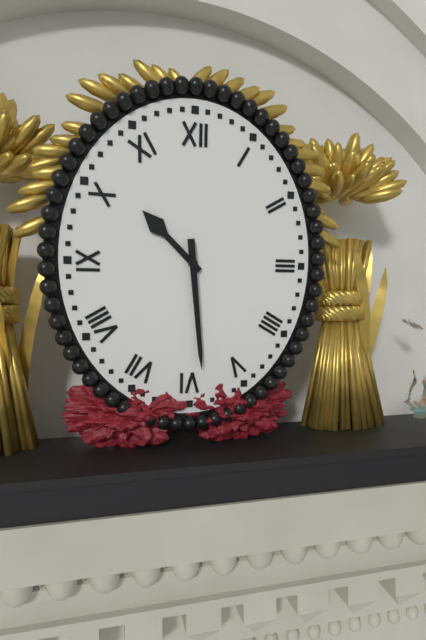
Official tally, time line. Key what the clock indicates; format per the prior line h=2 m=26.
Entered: h=10 m=29
